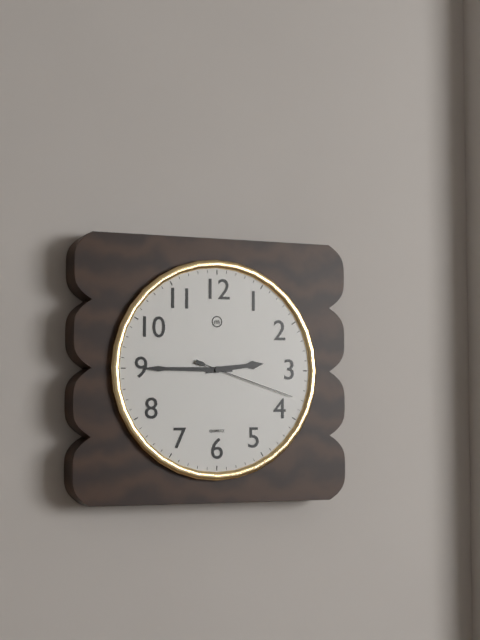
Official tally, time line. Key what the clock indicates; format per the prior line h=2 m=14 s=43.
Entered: h=2 m=45 s=18
